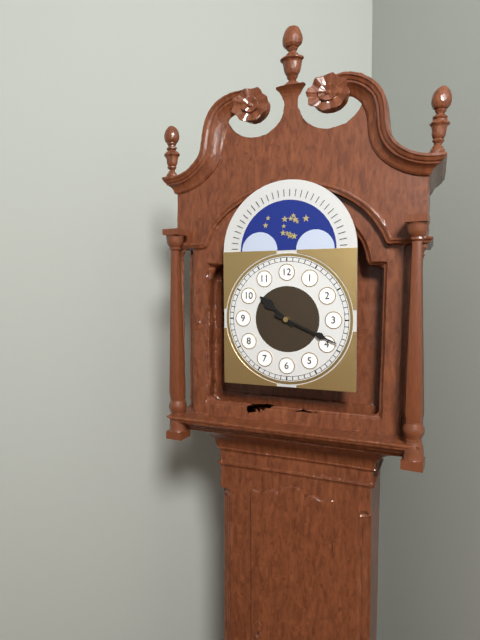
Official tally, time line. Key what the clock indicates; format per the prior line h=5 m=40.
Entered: h=10 m=19
